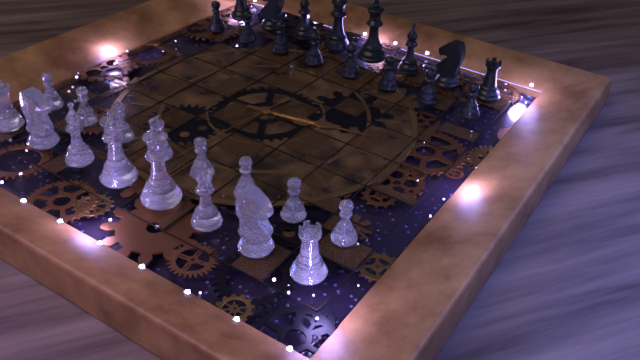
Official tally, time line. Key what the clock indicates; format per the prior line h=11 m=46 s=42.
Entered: h=8 m=43 s=1
